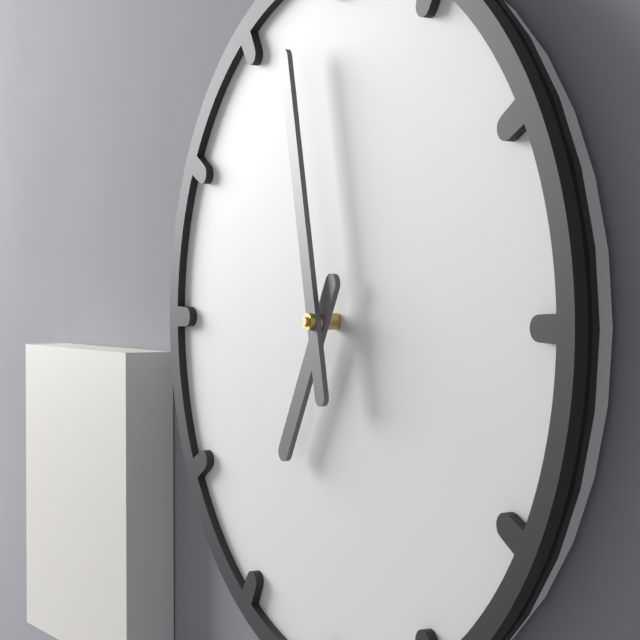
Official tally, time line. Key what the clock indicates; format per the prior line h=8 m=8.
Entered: h=6 m=58
